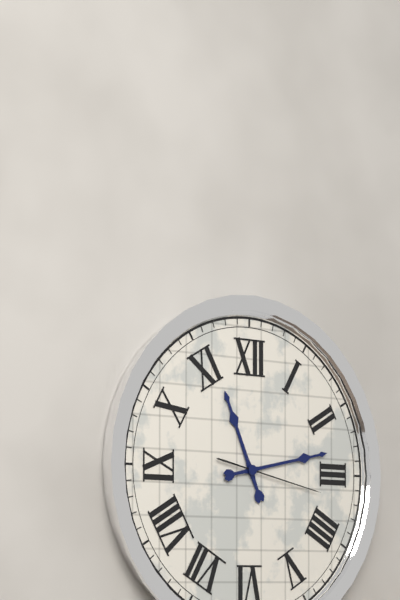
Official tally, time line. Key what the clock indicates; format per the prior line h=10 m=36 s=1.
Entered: h=11 m=13 s=17
